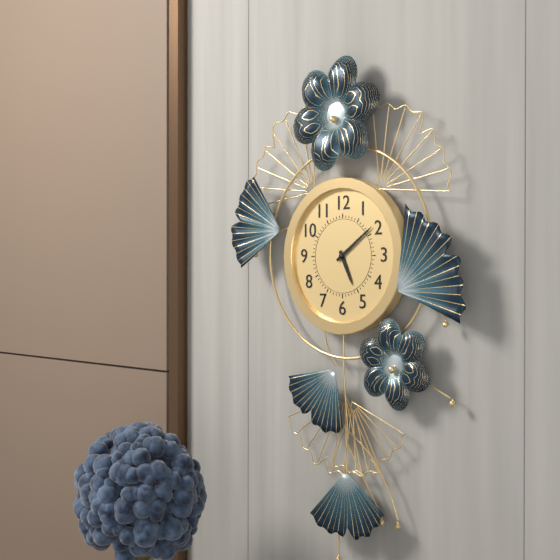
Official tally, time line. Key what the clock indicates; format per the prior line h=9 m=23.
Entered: h=5 m=9
